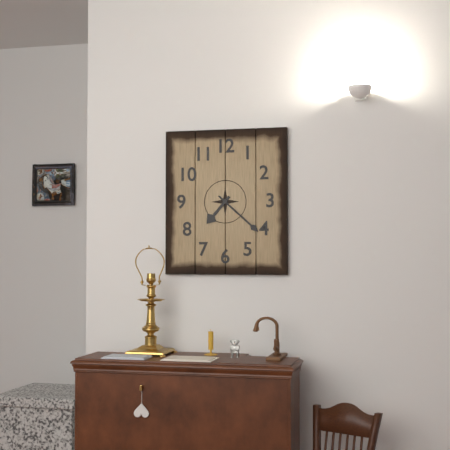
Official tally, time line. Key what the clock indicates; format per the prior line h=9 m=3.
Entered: h=7 m=22
